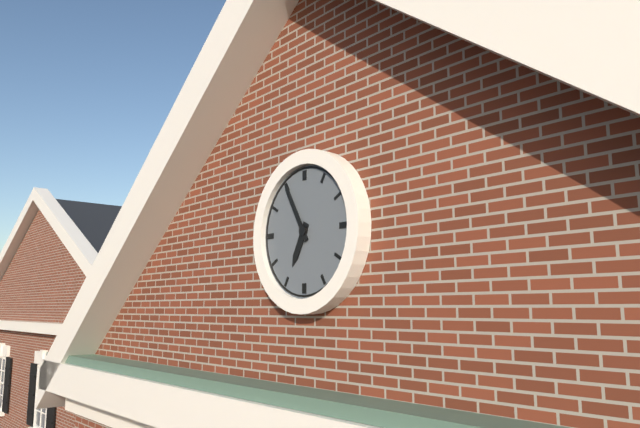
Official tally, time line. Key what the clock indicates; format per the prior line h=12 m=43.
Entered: h=6 m=55
